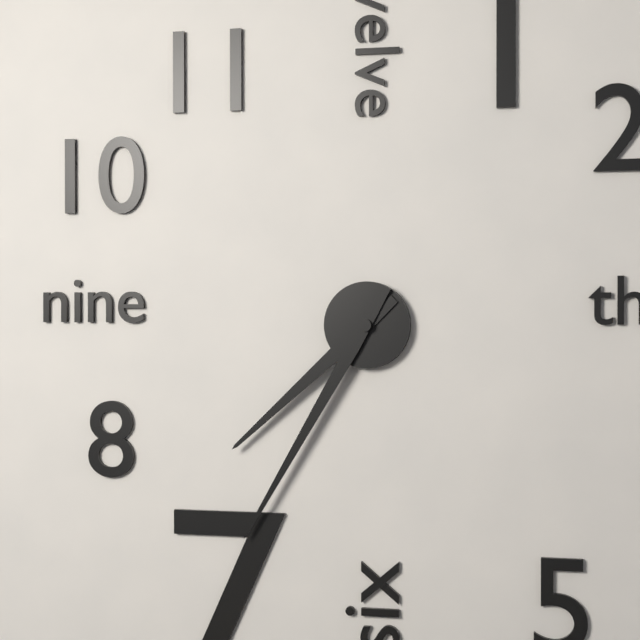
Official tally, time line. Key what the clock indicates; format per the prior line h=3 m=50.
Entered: h=7 m=35
